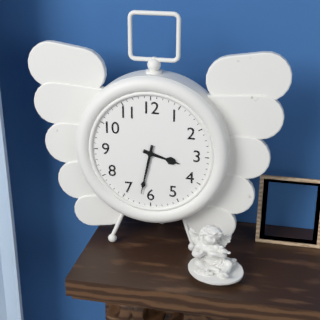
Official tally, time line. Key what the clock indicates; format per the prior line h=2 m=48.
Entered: h=3 m=32
